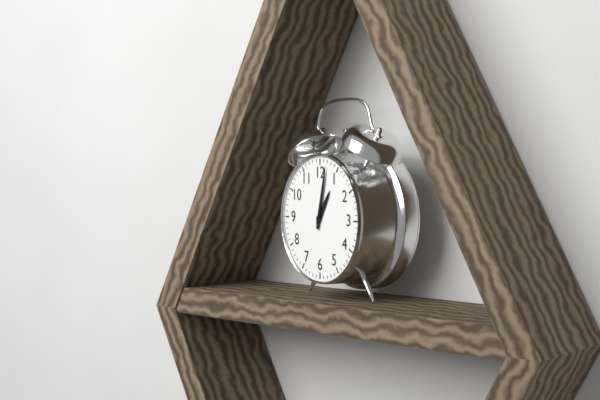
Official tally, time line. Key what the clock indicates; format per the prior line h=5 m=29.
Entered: h=1 m=2
